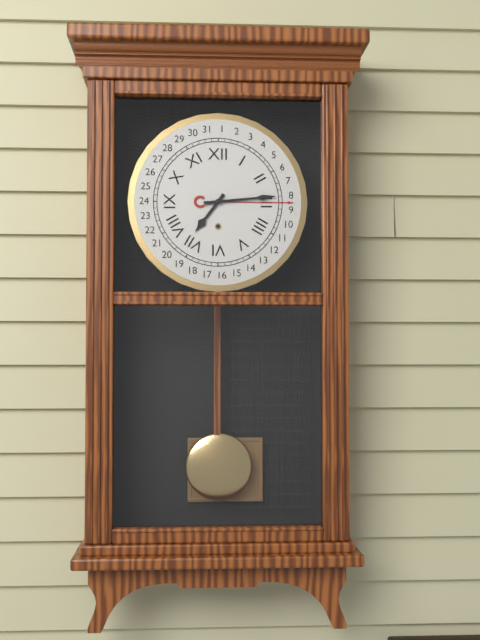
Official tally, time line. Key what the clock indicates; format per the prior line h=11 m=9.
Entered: h=7 m=14
